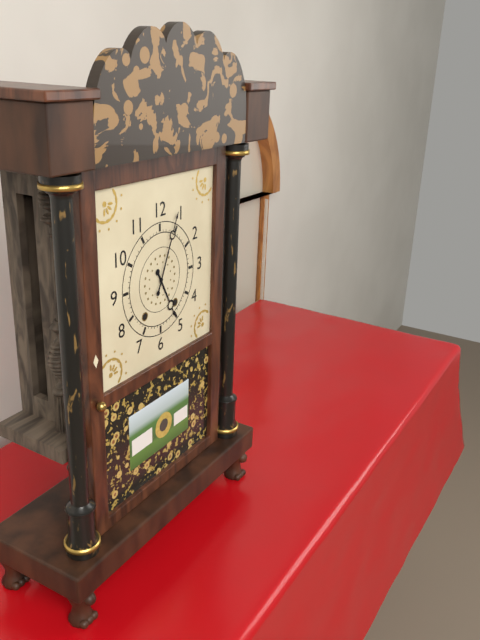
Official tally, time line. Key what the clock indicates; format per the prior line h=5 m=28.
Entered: h=5 m=4
